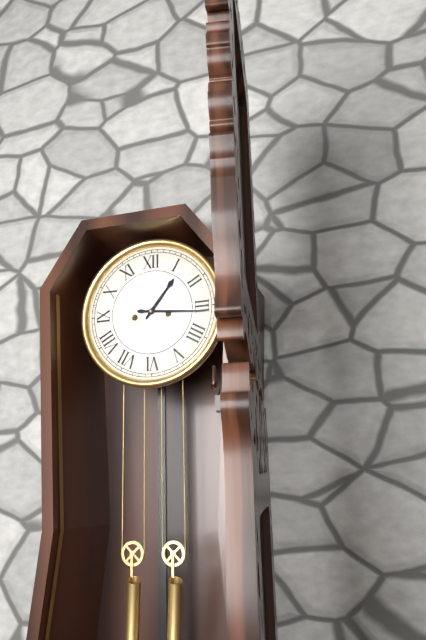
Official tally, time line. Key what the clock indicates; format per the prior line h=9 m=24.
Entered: h=1 m=16
